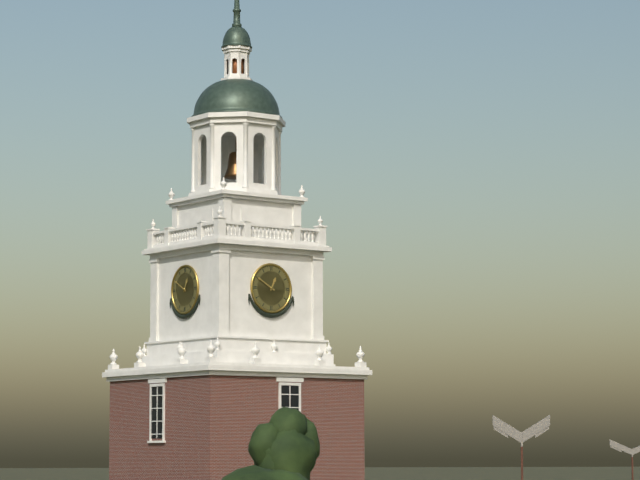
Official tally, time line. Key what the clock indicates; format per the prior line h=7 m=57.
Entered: h=12 m=50
